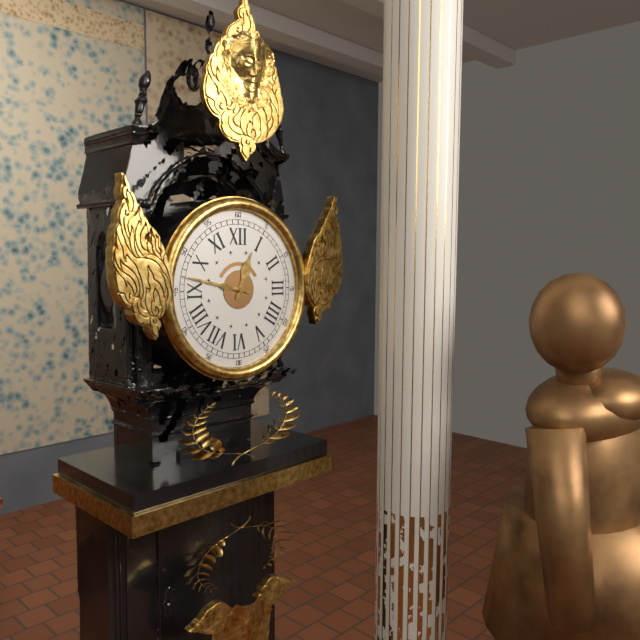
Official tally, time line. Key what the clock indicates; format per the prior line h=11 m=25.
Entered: h=12 m=47
